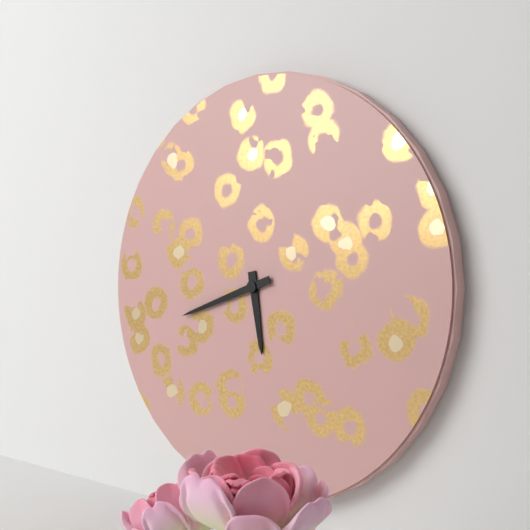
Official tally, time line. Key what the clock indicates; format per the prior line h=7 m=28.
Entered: h=5 m=42
